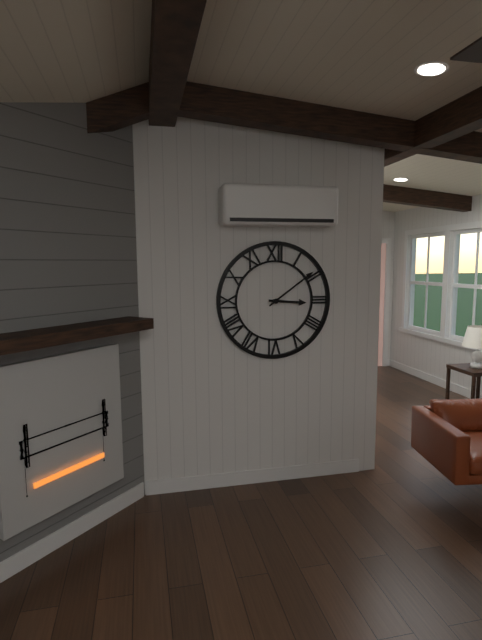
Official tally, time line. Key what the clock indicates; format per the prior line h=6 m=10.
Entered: h=3 m=9
